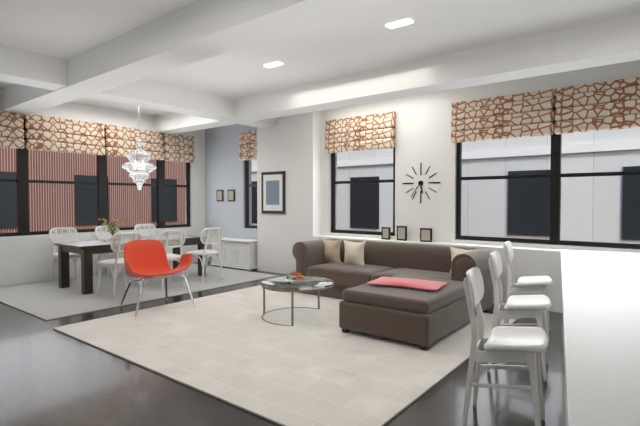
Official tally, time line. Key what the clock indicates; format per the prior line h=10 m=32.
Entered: h=5 m=36
